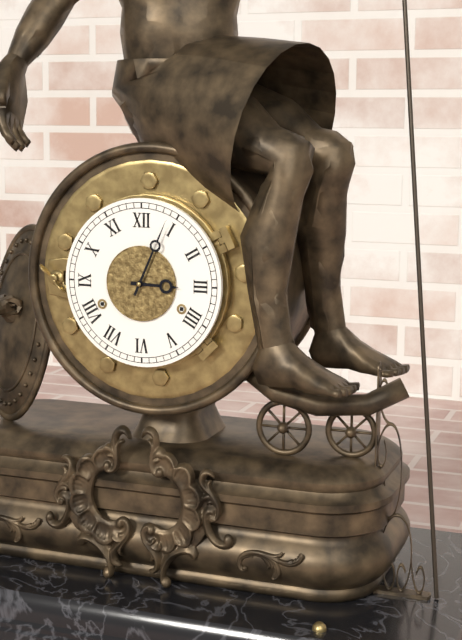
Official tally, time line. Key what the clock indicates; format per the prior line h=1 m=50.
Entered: h=3 m=4
